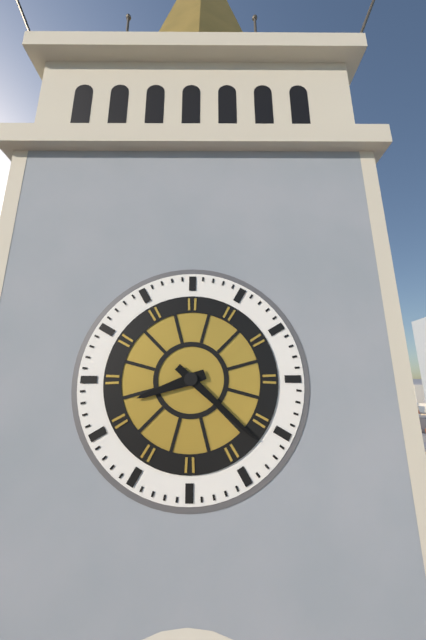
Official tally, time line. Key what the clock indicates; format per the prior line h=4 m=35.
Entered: h=8 m=22
